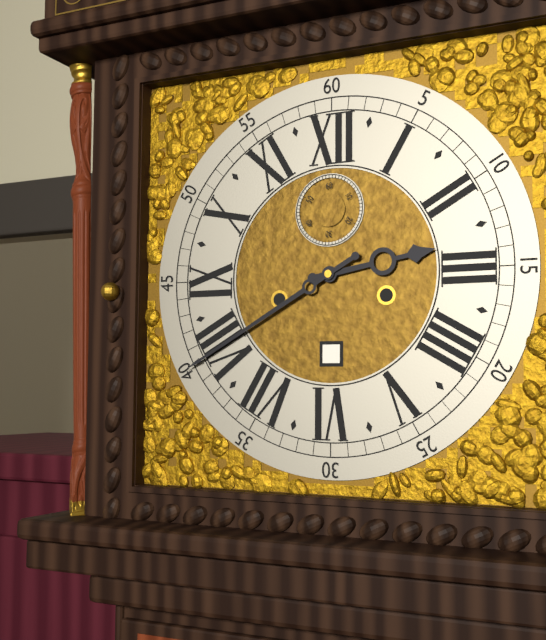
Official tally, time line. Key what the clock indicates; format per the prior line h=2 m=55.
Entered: h=2 m=40
